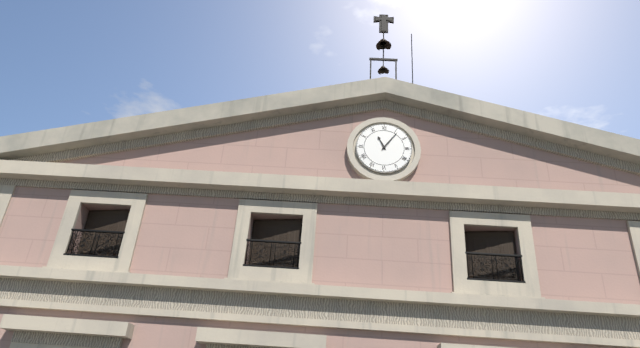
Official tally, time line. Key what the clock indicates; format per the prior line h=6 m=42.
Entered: h=11 m=6
